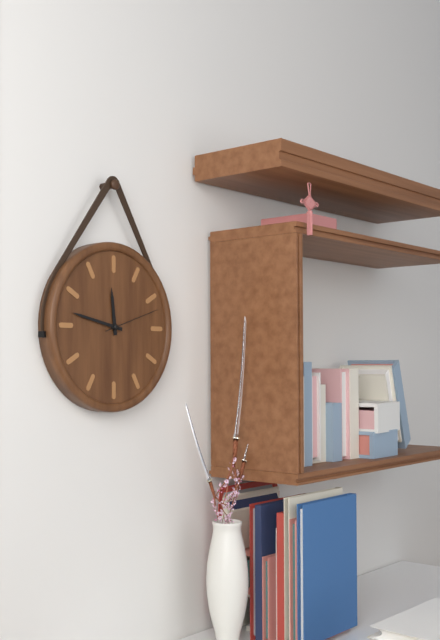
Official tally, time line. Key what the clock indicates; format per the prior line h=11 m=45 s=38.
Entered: h=11 m=47 s=12
